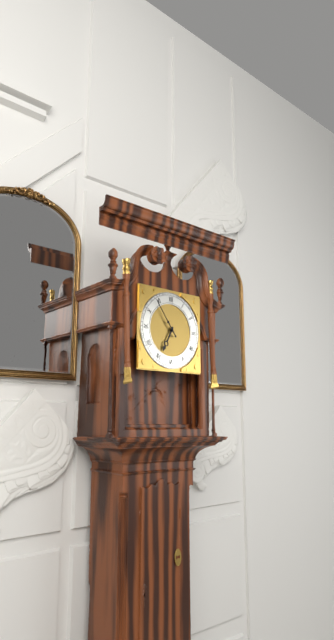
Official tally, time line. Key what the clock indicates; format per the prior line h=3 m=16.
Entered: h=6 m=54
